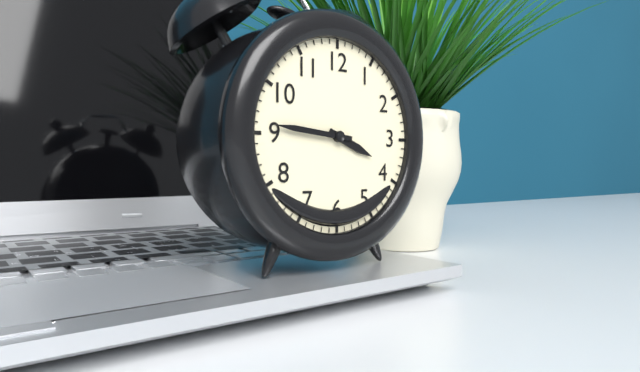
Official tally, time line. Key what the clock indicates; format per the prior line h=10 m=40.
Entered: h=3 m=46
